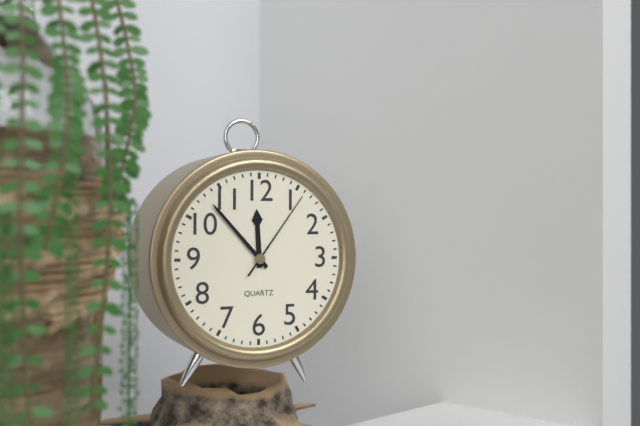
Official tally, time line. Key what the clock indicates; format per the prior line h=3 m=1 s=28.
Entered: h=11 m=53 s=6
